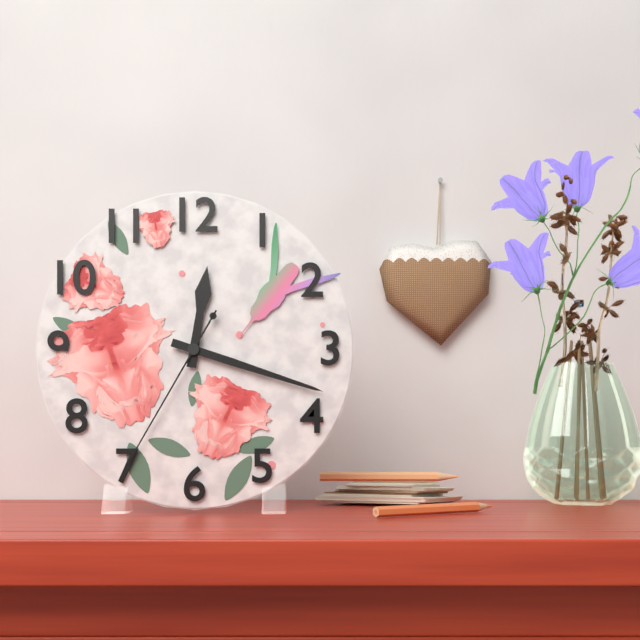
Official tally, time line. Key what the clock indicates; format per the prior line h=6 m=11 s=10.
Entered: h=12 m=18 s=35
